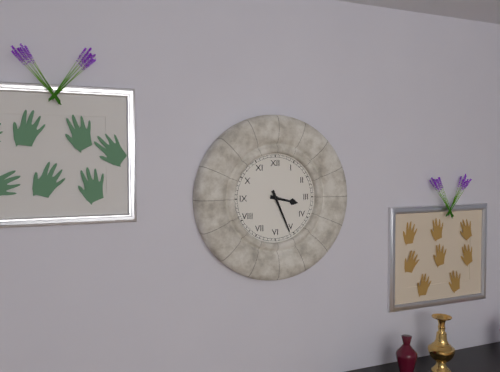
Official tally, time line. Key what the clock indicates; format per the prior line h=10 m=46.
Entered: h=3 m=26
